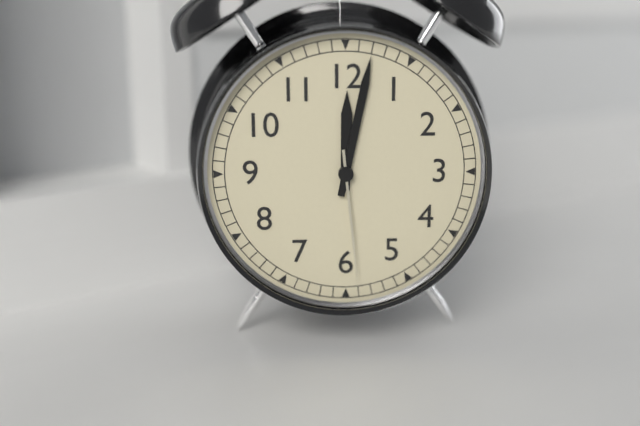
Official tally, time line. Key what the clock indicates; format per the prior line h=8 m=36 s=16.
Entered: h=12 m=2 s=29
